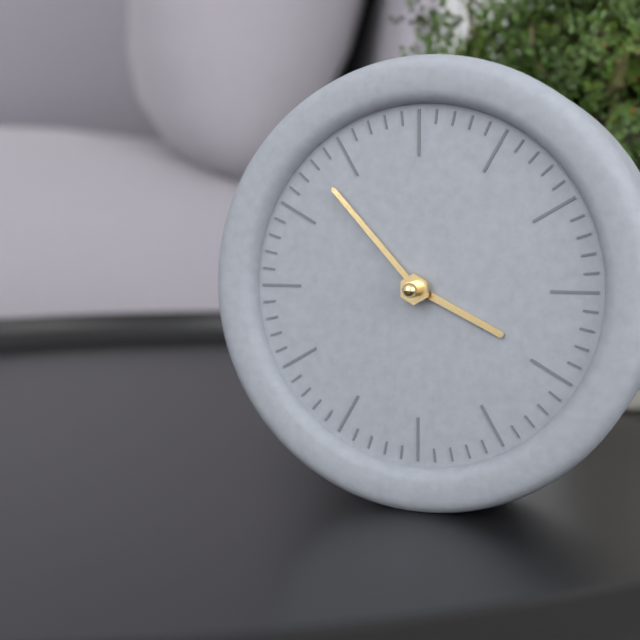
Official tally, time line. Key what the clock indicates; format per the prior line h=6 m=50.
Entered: h=3 m=53
